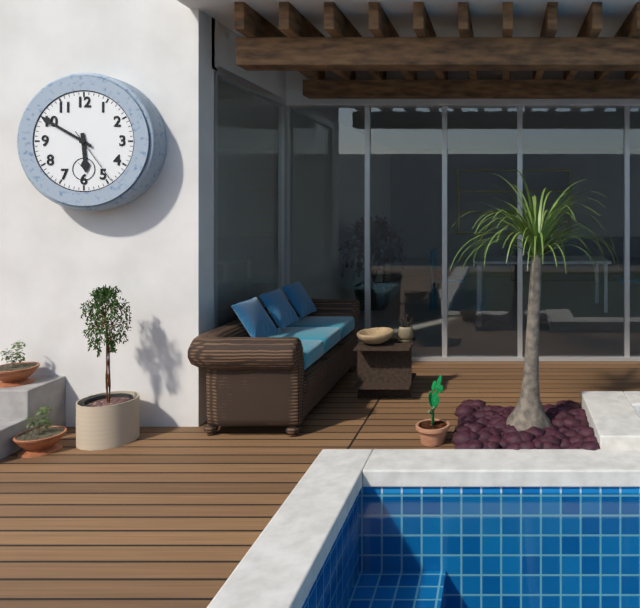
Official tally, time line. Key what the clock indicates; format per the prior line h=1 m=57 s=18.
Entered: h=5 m=50 s=24
